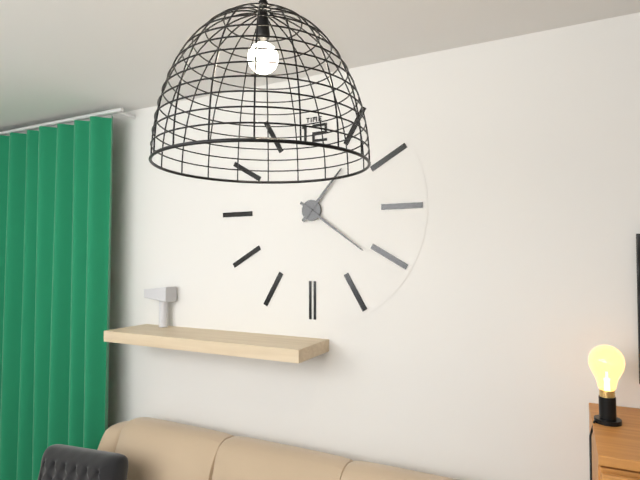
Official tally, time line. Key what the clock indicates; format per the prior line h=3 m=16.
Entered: h=1 m=21
